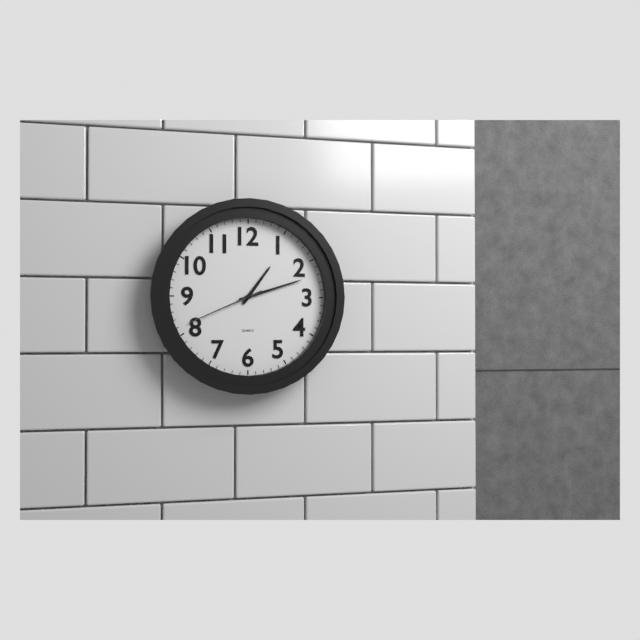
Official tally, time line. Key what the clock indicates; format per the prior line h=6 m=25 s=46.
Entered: h=1 m=12 s=41
